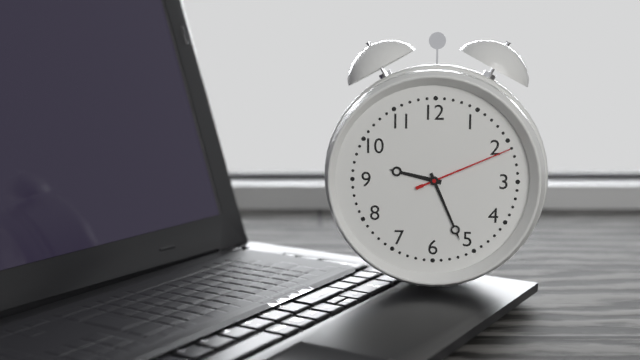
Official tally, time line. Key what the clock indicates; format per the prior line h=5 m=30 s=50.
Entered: h=9 m=26 s=11
